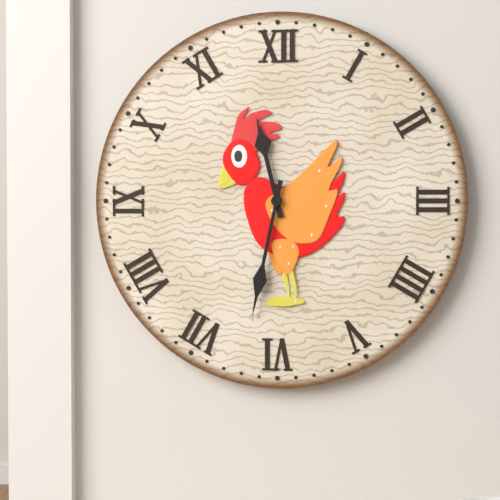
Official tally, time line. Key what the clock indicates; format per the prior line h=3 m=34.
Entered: h=11 m=32
